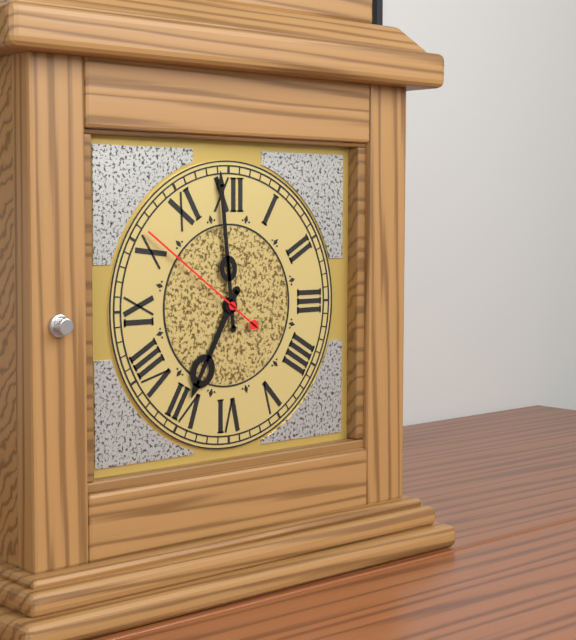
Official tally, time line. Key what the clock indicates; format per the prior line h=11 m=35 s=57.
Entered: h=6 m=59 s=51
